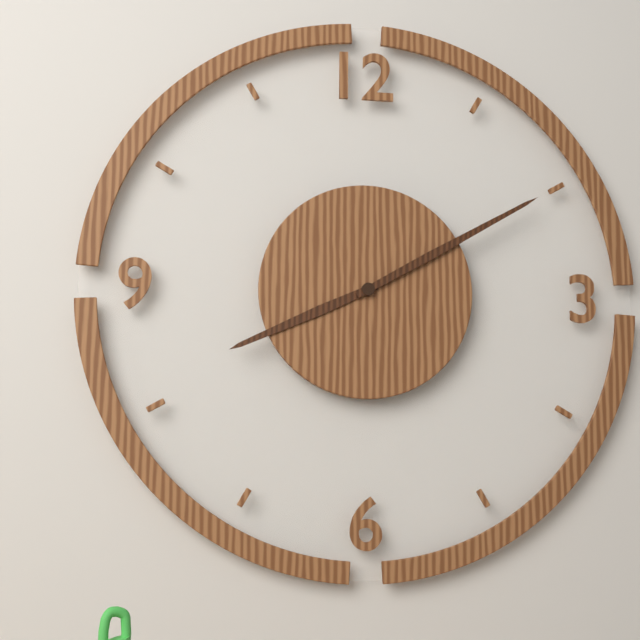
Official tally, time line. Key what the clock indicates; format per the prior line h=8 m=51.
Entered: h=8 m=10
